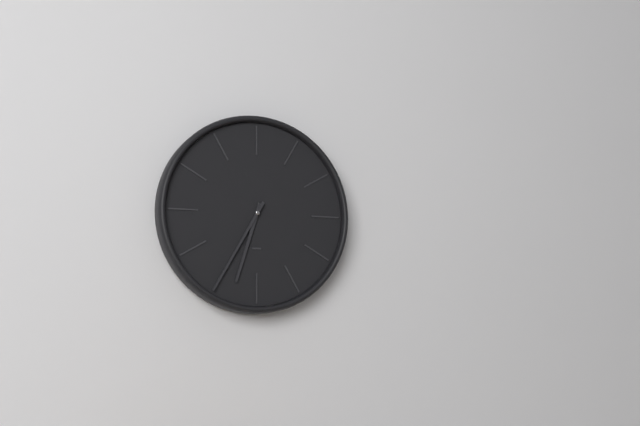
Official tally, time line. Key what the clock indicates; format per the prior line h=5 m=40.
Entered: h=6 m=35
